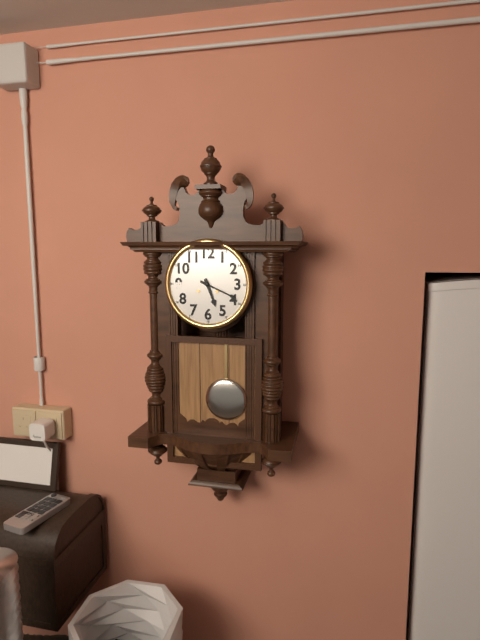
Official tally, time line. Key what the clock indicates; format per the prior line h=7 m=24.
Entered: h=5 m=19
